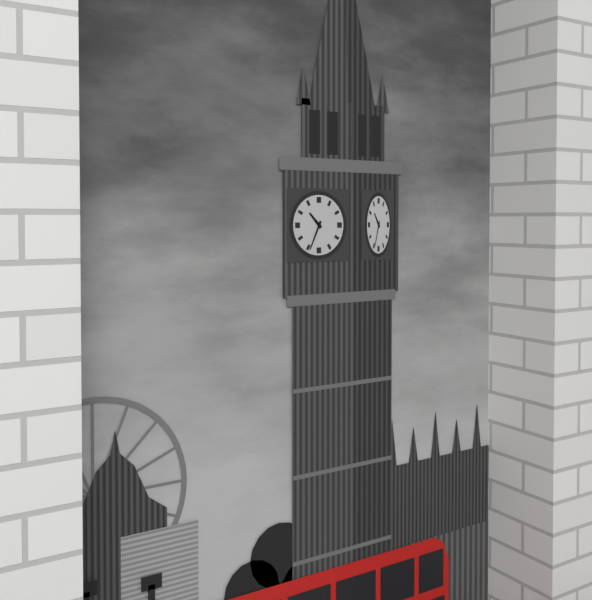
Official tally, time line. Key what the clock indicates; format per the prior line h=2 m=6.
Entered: h=10 m=34
